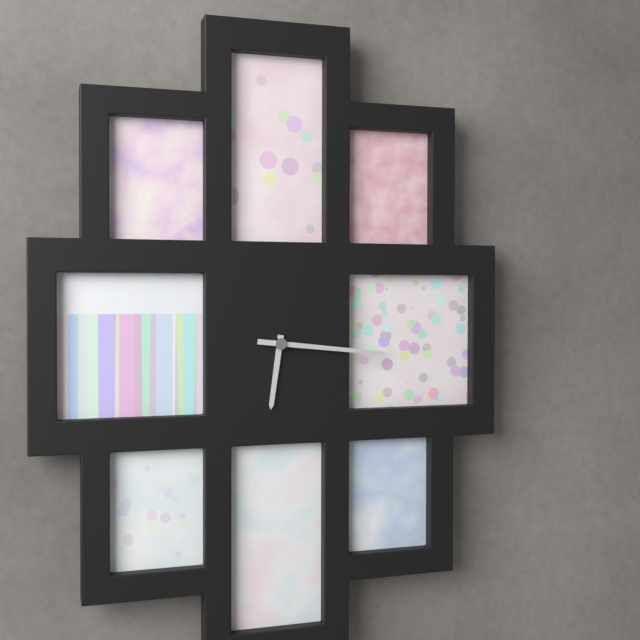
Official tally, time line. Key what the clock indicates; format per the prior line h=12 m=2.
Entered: h=6 m=16
